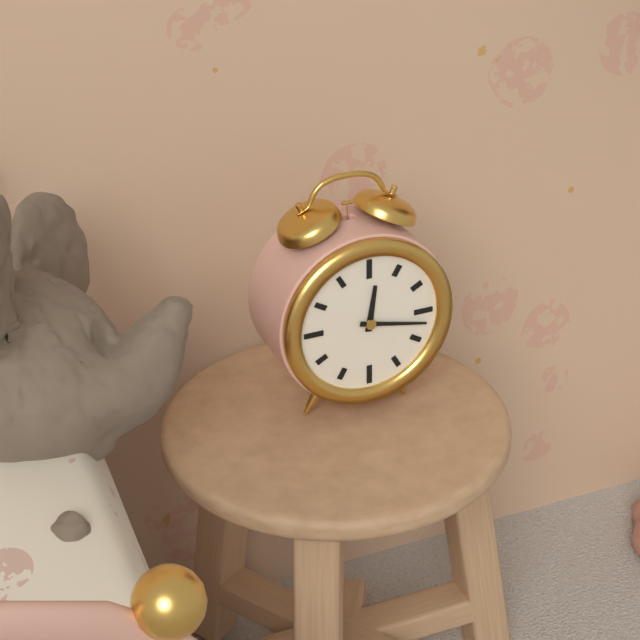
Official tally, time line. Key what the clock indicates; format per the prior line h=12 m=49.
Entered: h=12 m=17
